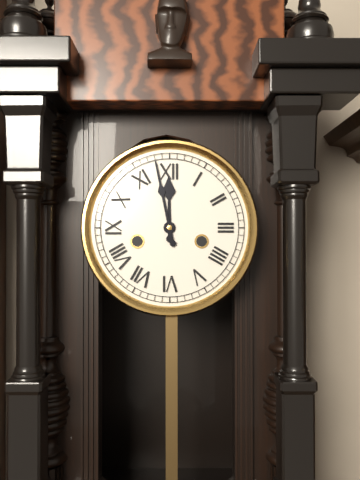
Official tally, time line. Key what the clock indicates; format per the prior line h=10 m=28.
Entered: h=11 m=58
